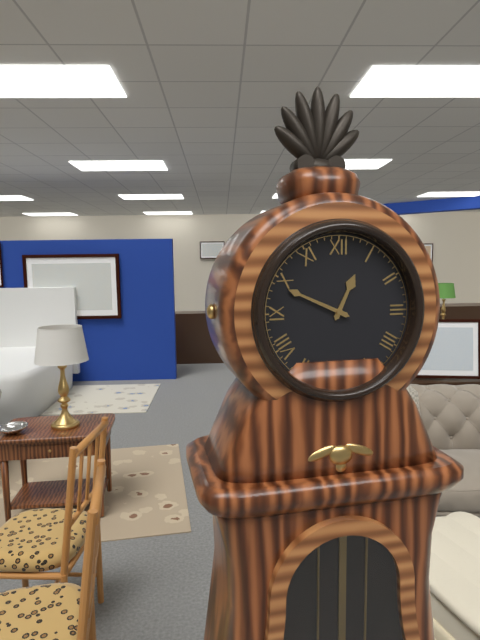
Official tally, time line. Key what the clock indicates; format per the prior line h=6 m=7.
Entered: h=12 m=49
